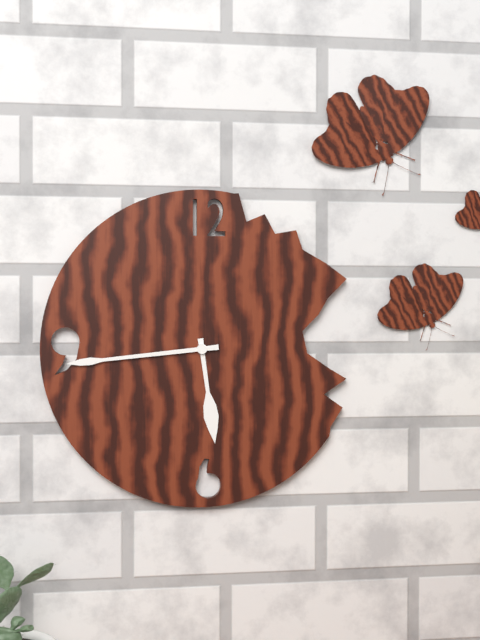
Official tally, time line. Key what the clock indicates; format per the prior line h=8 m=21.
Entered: h=5 m=44
